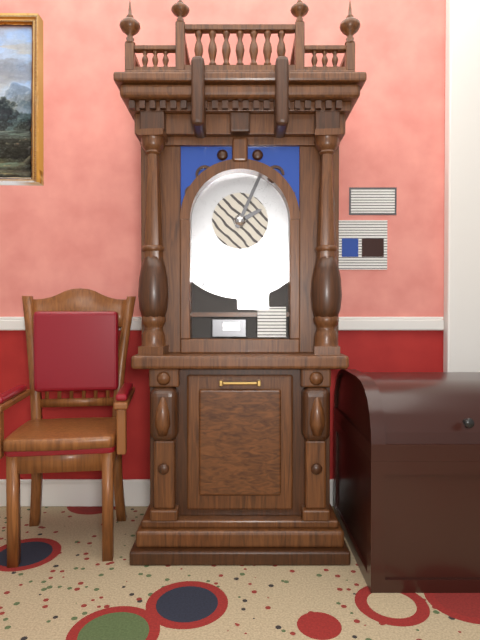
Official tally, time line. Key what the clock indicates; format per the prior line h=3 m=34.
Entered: h=2 m=4
